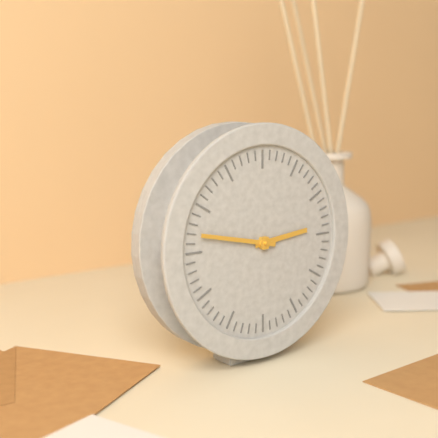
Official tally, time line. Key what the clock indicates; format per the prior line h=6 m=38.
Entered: h=2 m=47
